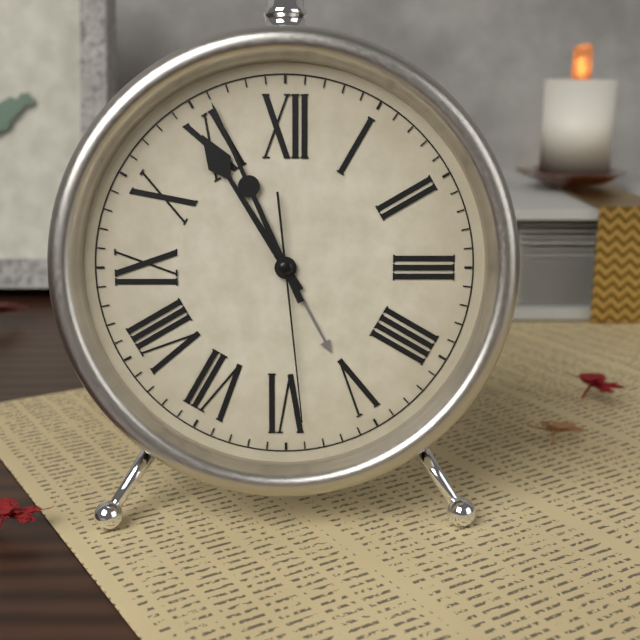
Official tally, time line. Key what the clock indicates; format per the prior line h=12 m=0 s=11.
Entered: h=10 m=56 s=29
